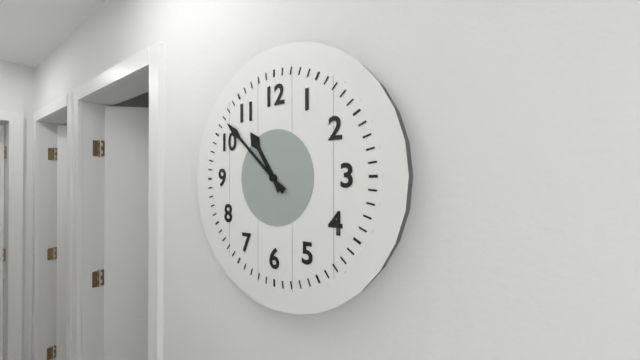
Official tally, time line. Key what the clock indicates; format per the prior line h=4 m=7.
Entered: h=10 m=52
